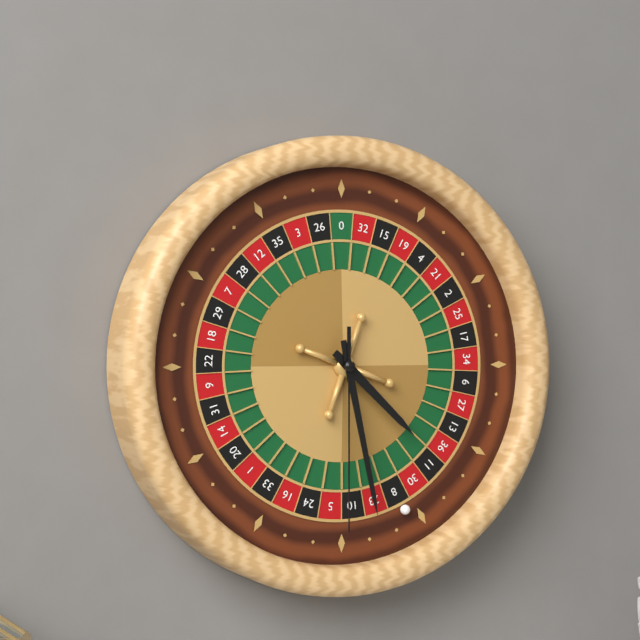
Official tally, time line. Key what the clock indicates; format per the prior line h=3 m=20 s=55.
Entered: h=4 m=28 s=30
